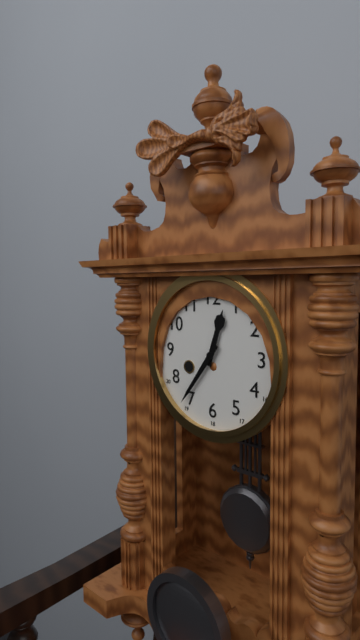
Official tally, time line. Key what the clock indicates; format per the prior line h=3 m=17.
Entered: h=12 m=36
